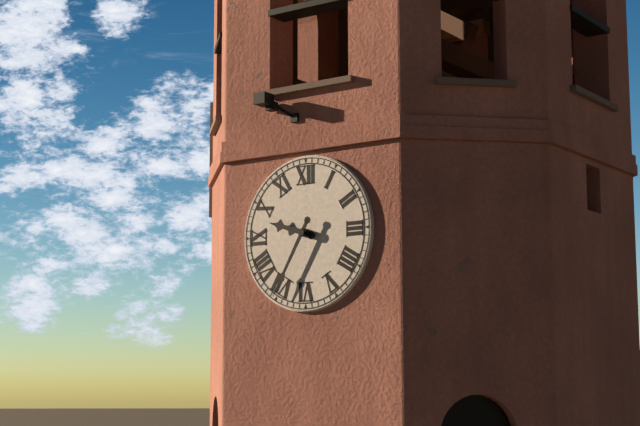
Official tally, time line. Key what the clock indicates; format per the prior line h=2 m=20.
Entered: h=9 m=35
